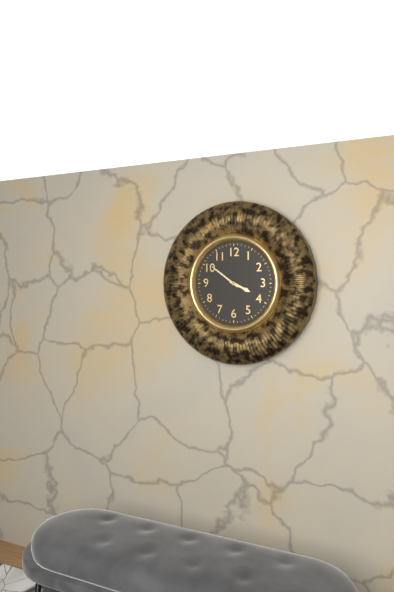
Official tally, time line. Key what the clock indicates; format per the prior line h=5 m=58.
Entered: h=3 m=51
